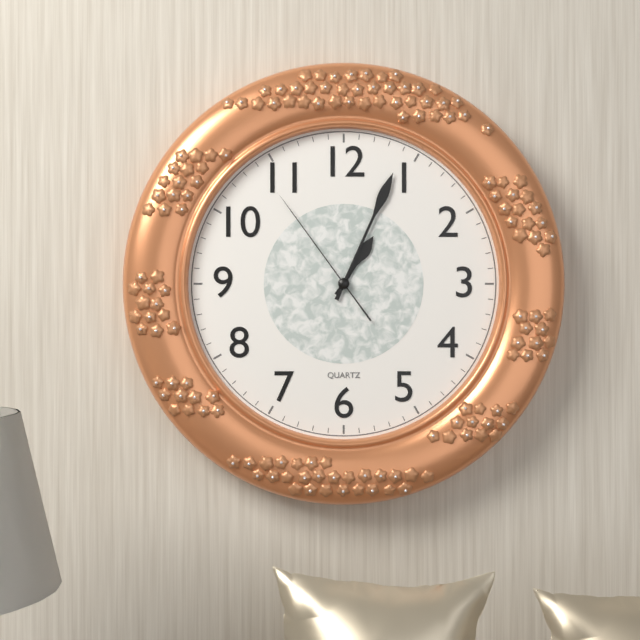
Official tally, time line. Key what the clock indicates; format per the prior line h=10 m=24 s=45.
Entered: h=1 m=4 s=54
